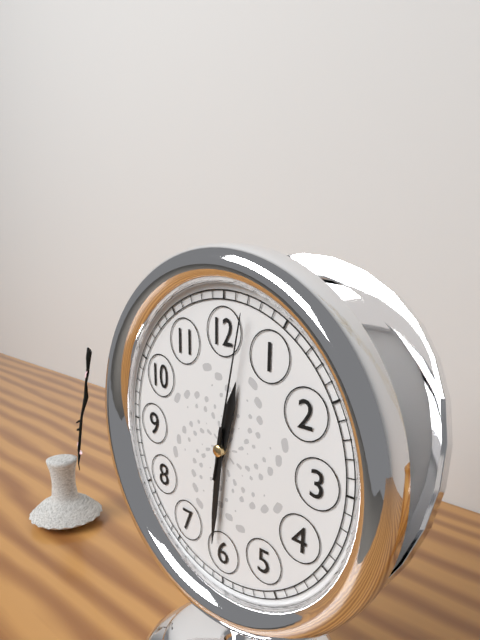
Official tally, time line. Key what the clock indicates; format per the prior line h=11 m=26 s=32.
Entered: h=12 m=31 s=2
